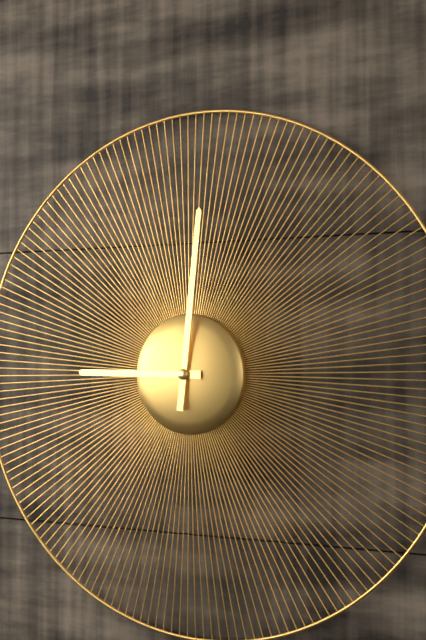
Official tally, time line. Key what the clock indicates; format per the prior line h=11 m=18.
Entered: h=9 m=1
